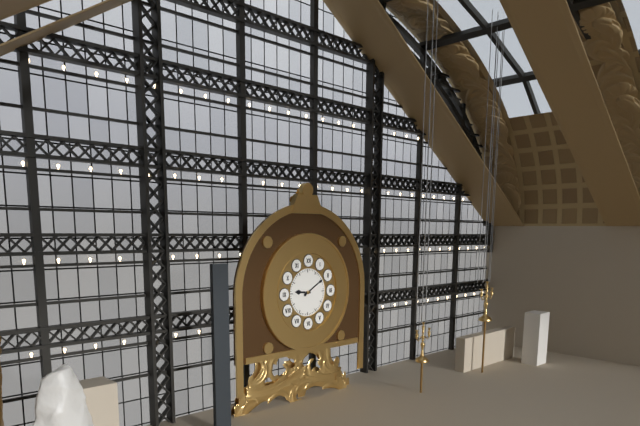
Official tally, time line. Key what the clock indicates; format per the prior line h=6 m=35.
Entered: h=9 m=10
